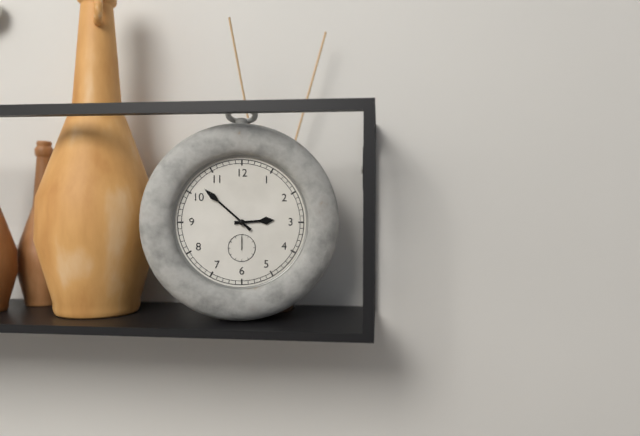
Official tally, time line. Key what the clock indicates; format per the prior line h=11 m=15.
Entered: h=2 m=52
